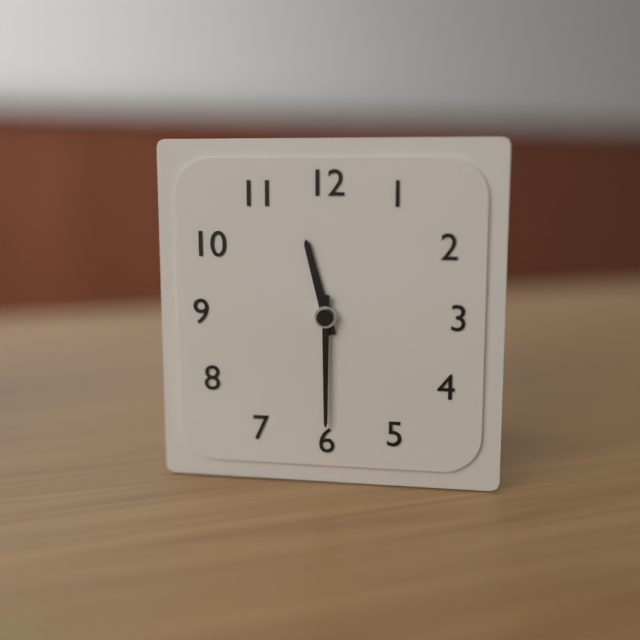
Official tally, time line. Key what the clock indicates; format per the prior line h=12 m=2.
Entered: h=11 m=30
